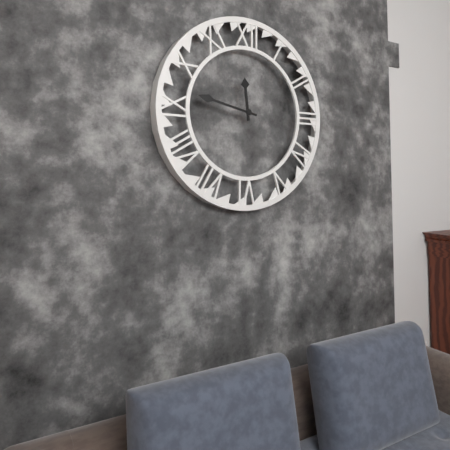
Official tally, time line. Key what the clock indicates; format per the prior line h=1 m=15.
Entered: h=11 m=47
